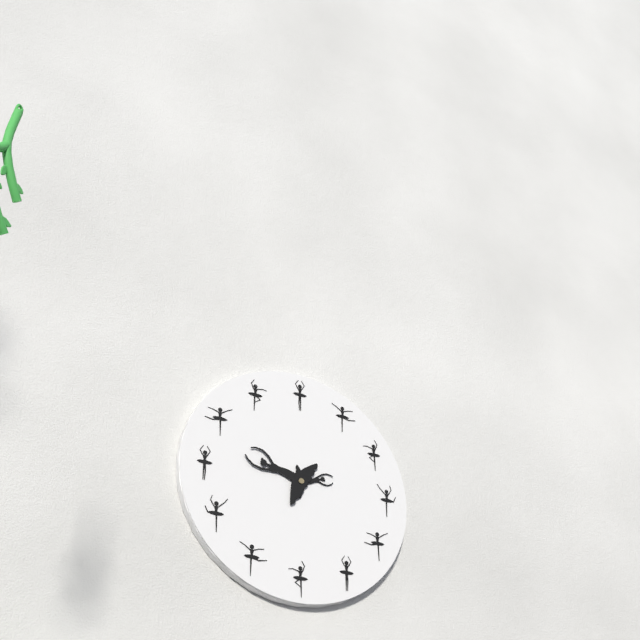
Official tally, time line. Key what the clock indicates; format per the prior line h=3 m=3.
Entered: h=2 m=50
